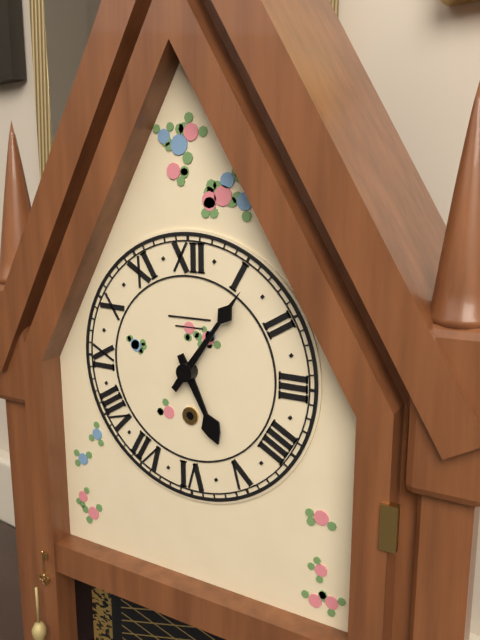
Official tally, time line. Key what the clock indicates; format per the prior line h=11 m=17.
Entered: h=5 m=6
